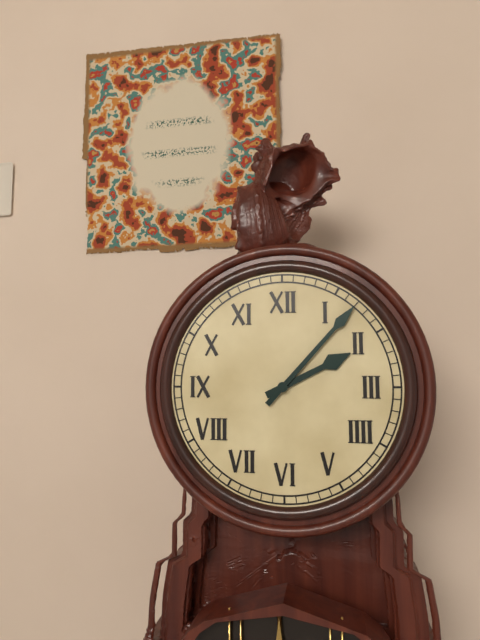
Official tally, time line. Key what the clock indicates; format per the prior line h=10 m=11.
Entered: h=2 m=7
